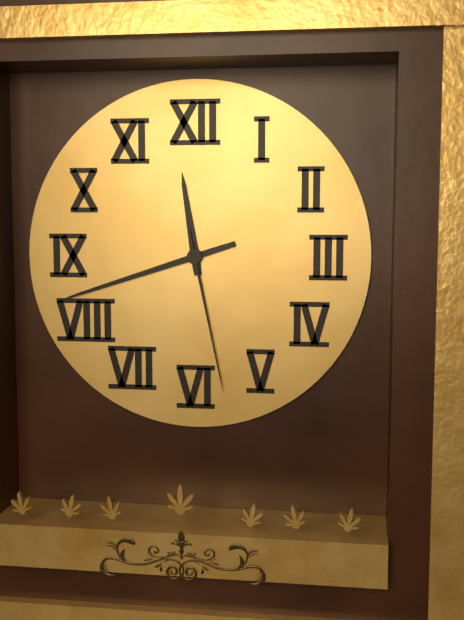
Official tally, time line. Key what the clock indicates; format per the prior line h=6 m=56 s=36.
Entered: h=11 m=42 s=28
